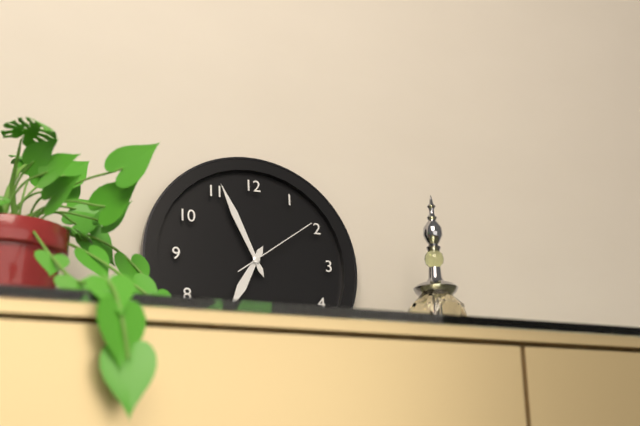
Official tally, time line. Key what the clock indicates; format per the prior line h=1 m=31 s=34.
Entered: h=6 m=56 s=9
